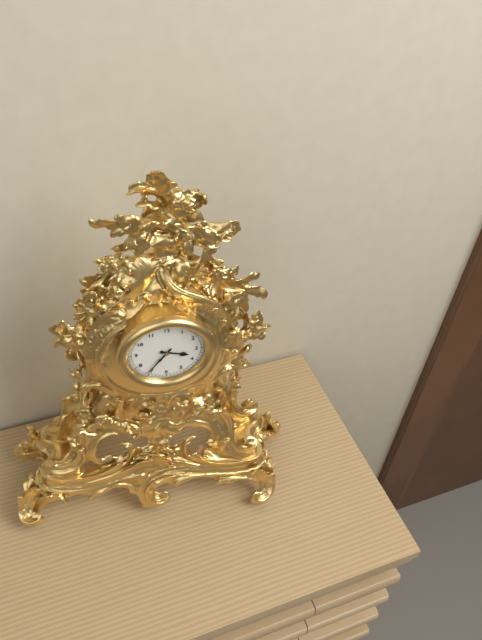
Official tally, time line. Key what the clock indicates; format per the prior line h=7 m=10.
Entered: h=3 m=36
